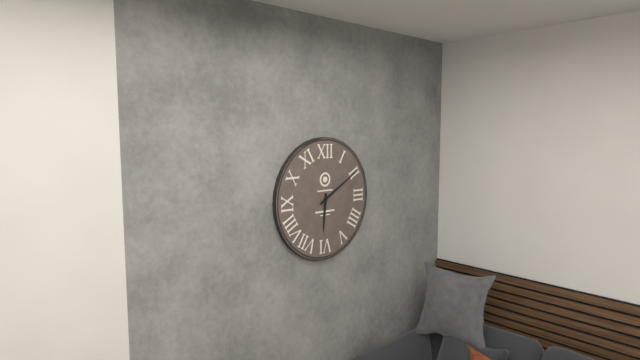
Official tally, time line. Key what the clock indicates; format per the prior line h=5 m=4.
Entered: h=6 m=10
